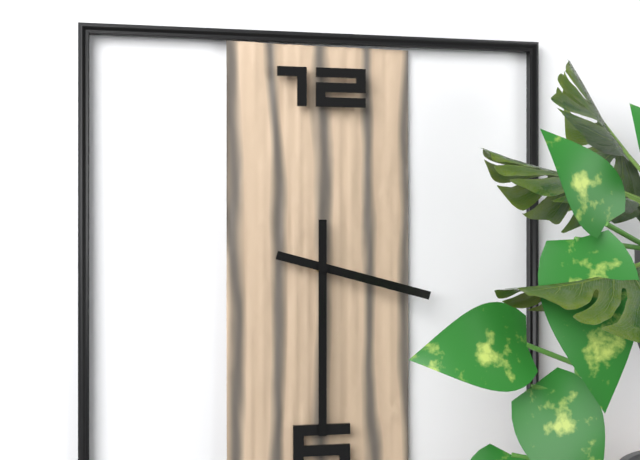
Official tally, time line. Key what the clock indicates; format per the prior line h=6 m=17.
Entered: h=3 m=30
